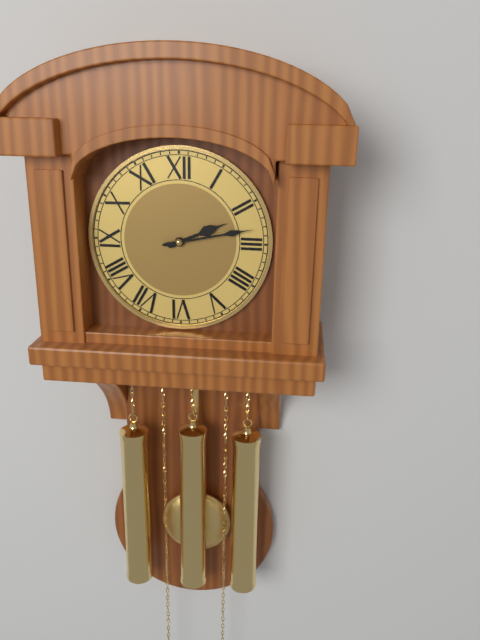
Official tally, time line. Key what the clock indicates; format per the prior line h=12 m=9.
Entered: h=2 m=13
